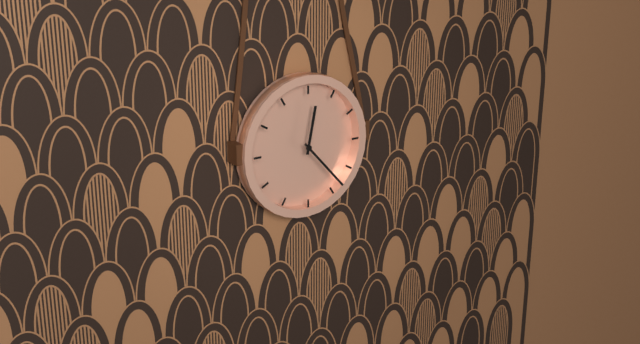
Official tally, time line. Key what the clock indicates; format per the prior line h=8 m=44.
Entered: h=12 m=23
